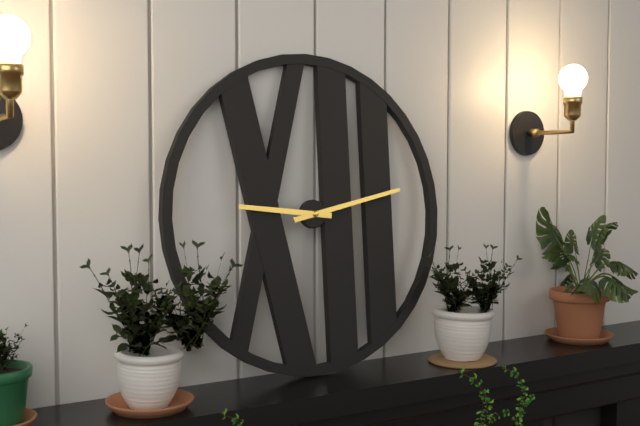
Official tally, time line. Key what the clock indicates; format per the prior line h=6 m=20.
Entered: h=9 m=13
